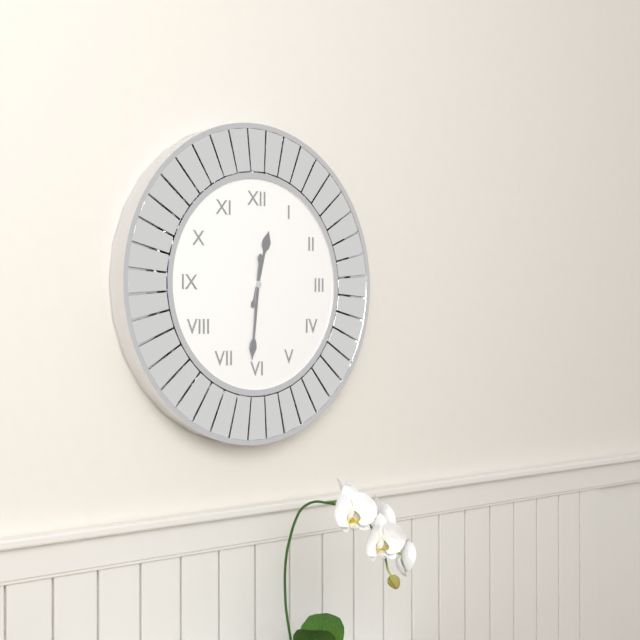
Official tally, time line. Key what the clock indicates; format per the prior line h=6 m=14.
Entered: h=12 m=31
